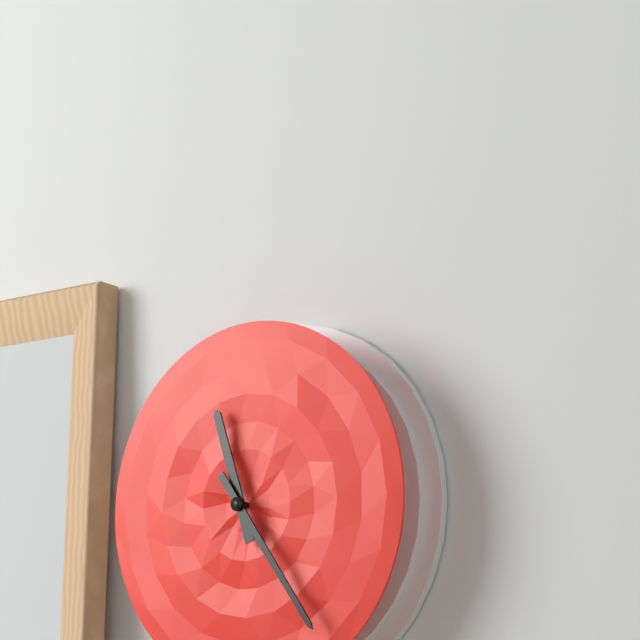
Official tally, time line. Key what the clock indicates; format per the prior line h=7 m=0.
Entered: h=11 m=24
